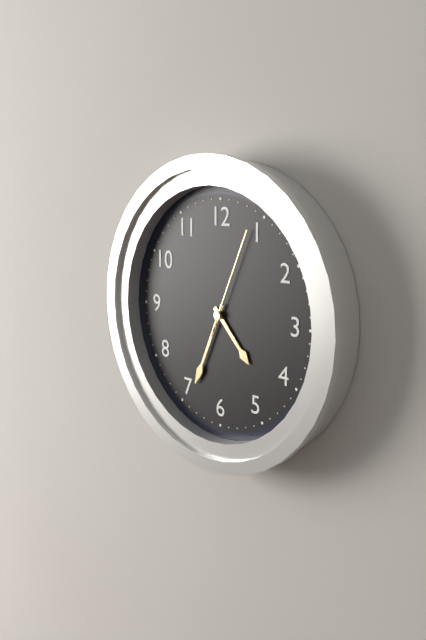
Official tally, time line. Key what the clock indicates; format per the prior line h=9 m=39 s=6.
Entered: h=4 m=34 s=4
